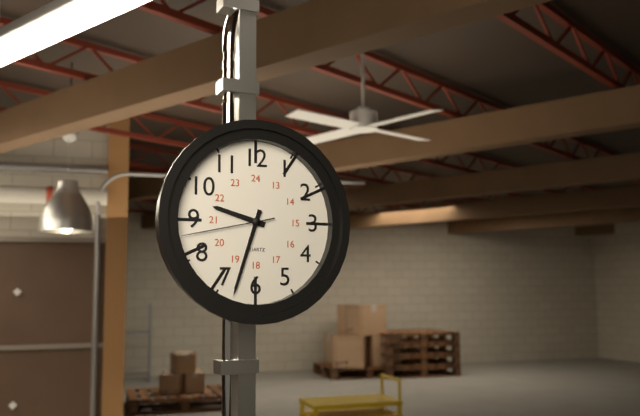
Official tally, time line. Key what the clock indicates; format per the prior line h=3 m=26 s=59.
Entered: h=9 m=33 s=43
